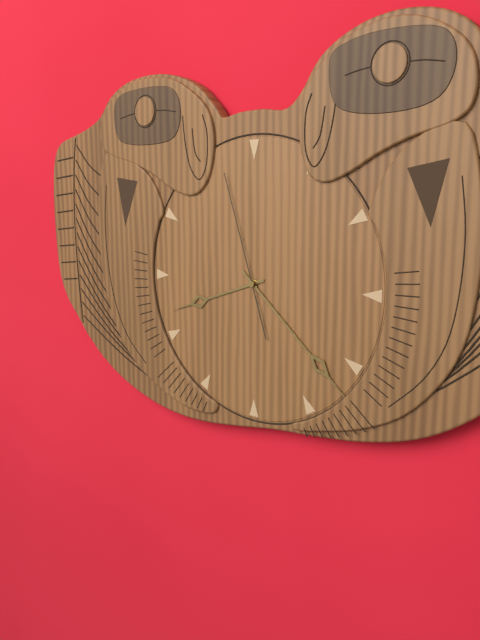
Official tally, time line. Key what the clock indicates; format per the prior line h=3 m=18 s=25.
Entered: h=8 m=22 s=57
